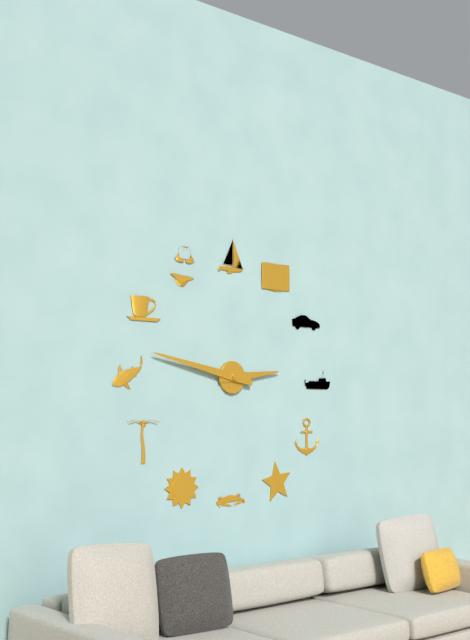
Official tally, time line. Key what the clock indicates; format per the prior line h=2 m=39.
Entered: h=2 m=47
